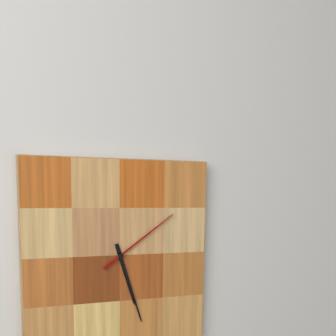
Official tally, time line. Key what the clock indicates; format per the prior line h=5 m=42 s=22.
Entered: h=5 m=27 s=9
